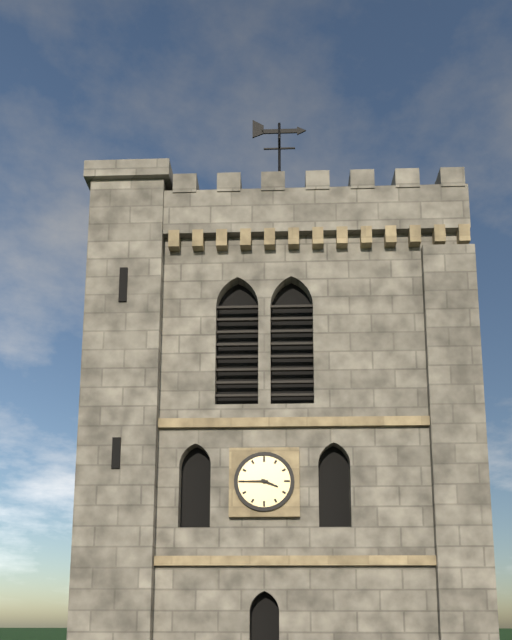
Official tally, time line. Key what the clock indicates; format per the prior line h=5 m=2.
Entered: h=3 m=45
